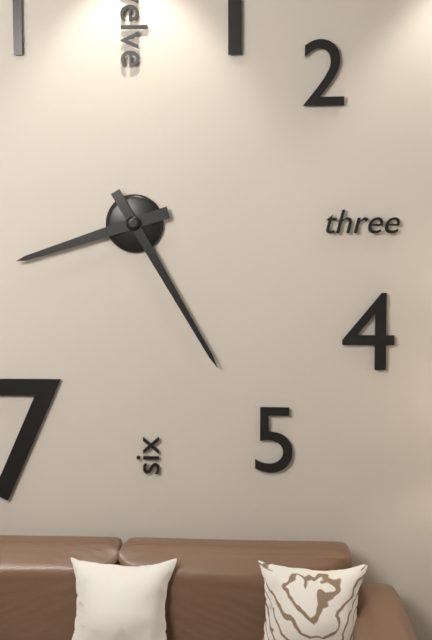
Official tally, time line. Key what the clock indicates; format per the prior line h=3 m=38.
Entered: h=8 m=25
